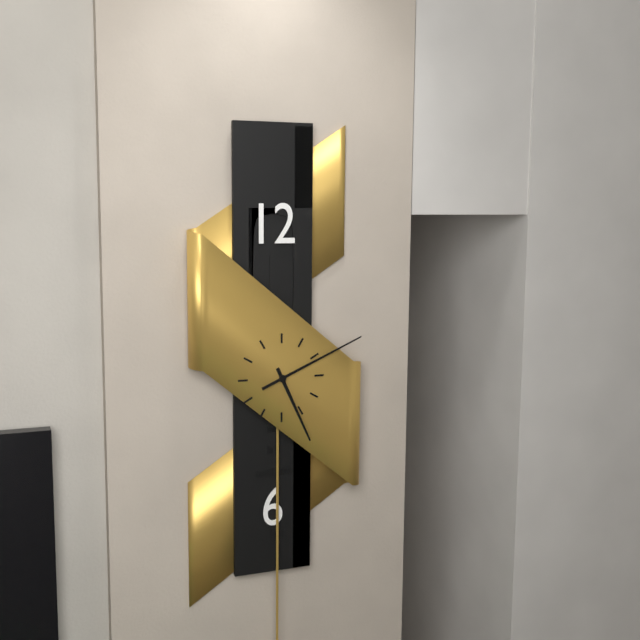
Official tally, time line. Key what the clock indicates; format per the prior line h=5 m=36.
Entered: h=5 m=11
